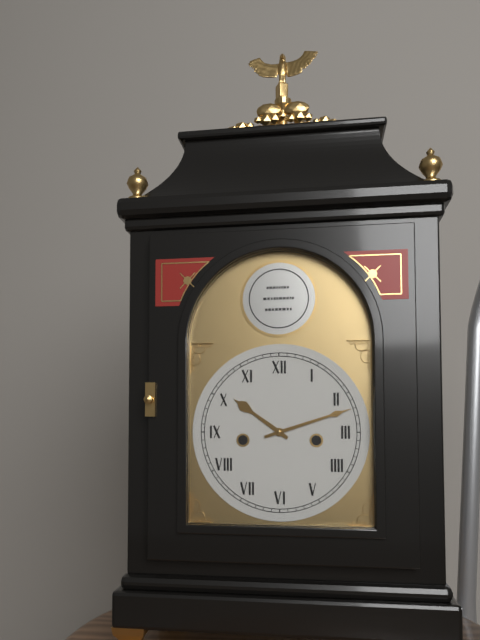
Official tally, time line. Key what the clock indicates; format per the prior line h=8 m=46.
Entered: h=10 m=12
